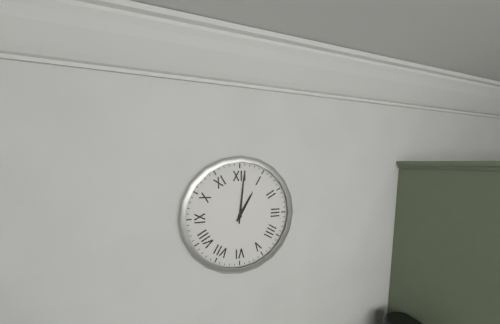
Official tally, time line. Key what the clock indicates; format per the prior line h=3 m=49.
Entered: h=1 m=1
